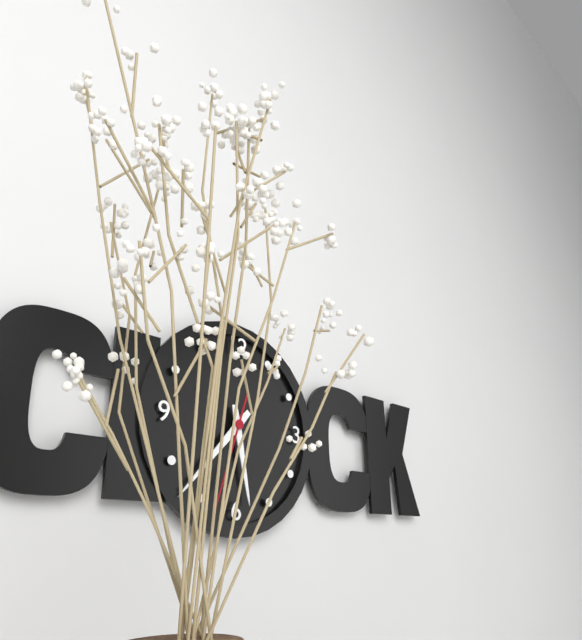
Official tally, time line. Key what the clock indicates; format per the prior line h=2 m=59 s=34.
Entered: h=5 m=37 s=33
